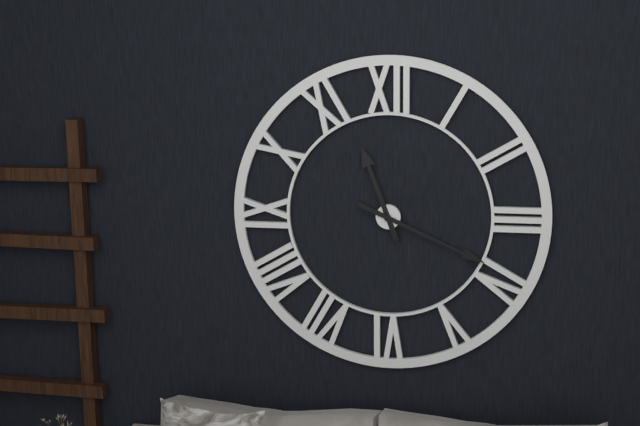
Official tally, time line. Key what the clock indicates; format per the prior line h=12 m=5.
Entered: h=11 m=19
